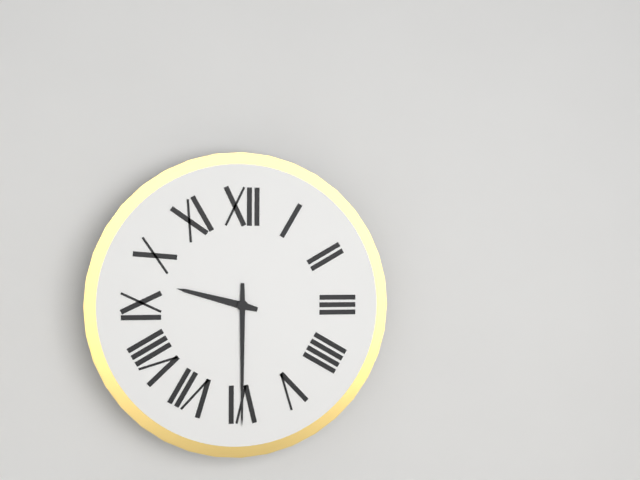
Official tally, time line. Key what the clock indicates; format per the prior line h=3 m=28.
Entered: h=9 m=30
